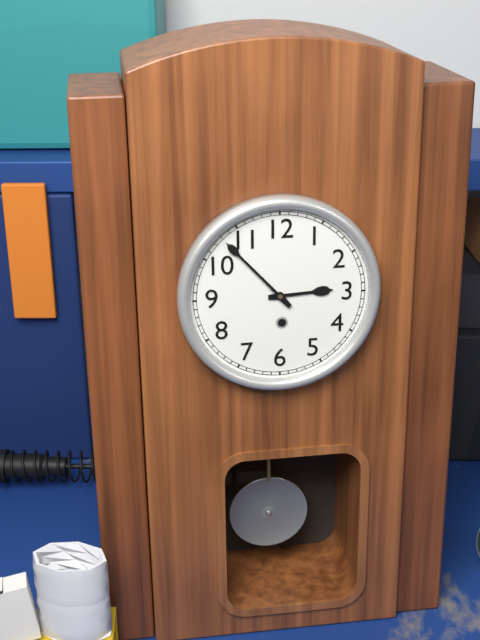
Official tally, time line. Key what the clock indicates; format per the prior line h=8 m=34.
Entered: h=2 m=53
